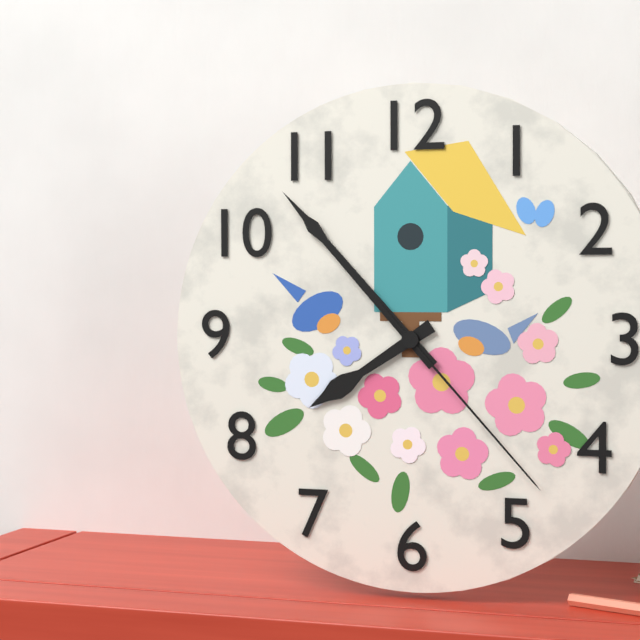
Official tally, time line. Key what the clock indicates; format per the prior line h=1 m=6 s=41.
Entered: h=7 m=53 s=23
